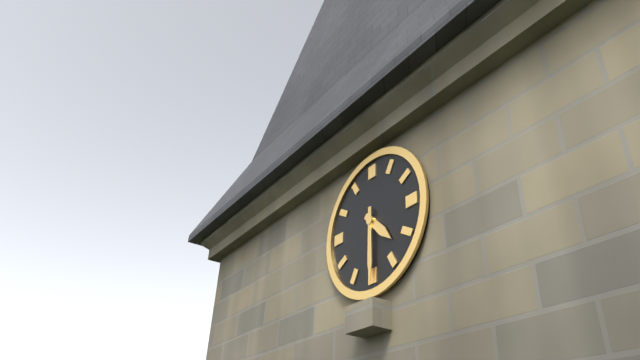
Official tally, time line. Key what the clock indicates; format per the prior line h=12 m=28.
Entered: h=4 m=30
